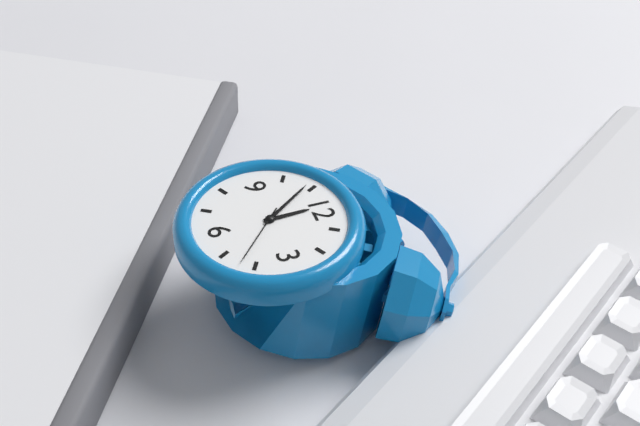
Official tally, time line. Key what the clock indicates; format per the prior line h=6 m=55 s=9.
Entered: h=11 m=54 s=22
